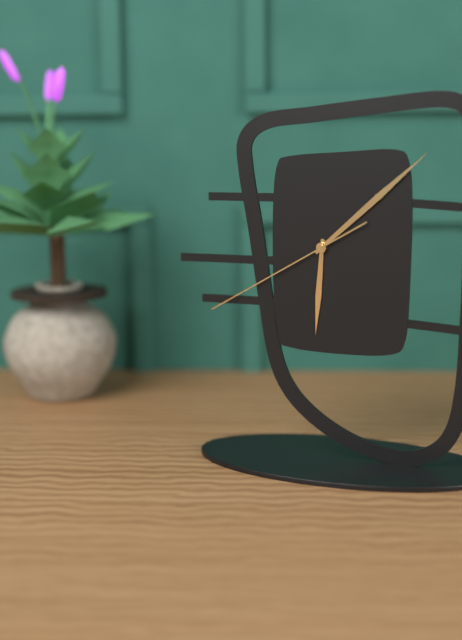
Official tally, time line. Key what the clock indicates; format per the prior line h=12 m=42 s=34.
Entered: h=6 m=8 s=40
